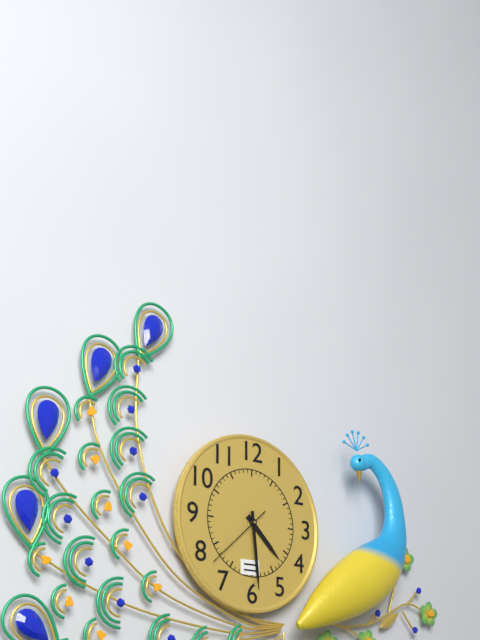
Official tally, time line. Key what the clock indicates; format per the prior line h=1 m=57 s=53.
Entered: h=4 m=29 s=38
